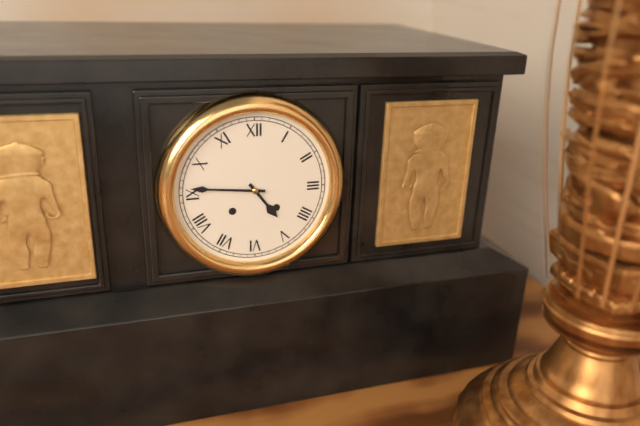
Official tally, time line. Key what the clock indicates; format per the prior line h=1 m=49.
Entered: h=4 m=46
